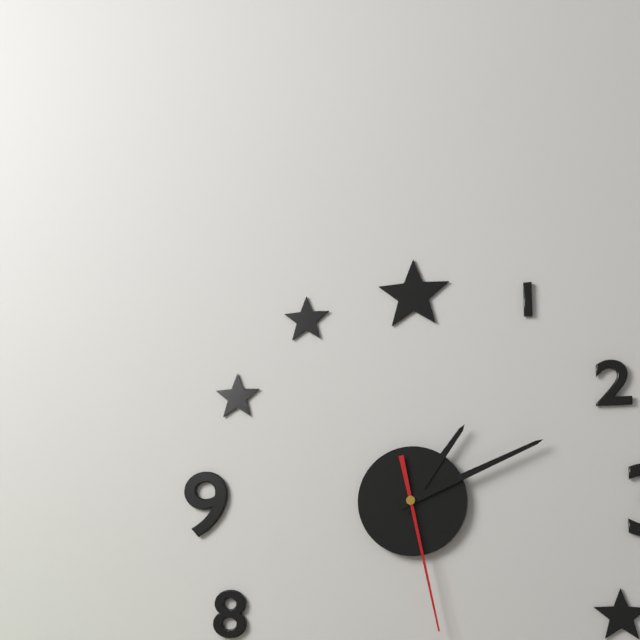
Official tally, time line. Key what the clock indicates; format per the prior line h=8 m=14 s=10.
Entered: h=1 m=11 s=28
